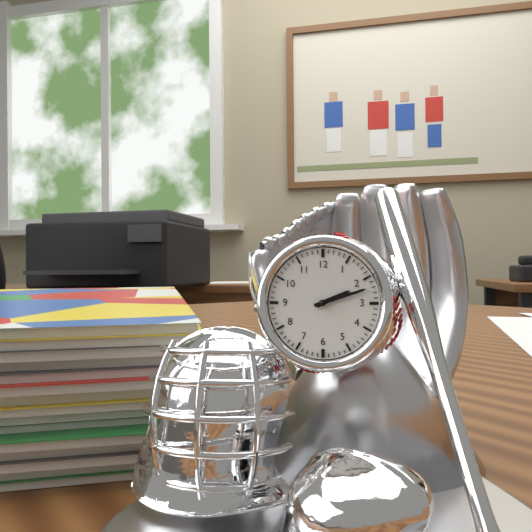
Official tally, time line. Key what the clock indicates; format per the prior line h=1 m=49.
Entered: h=2 m=12
